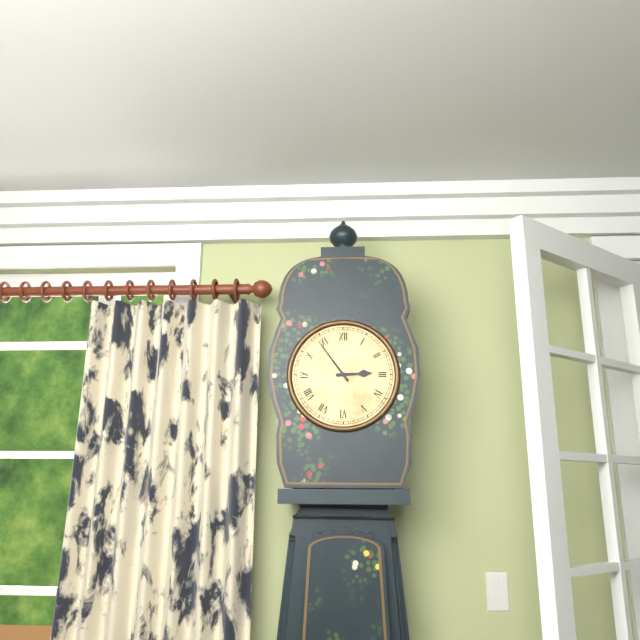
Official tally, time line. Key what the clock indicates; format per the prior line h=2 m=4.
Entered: h=2 m=54
